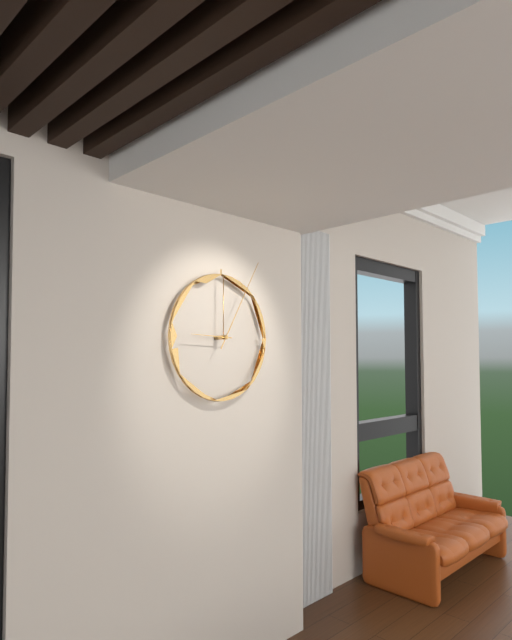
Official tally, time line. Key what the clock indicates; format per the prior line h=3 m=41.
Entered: h=9 m=5
